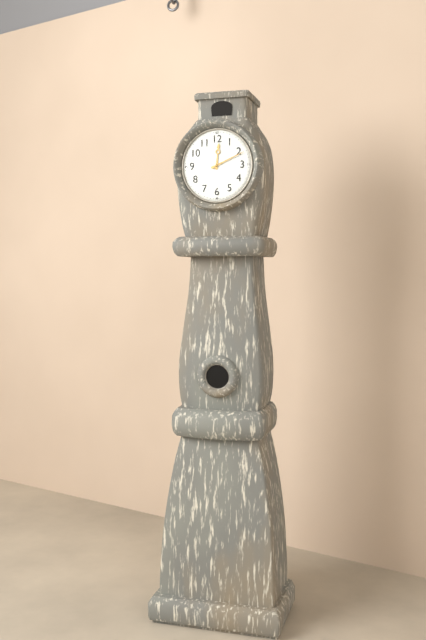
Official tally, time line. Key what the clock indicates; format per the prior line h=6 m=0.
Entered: h=12 m=11
